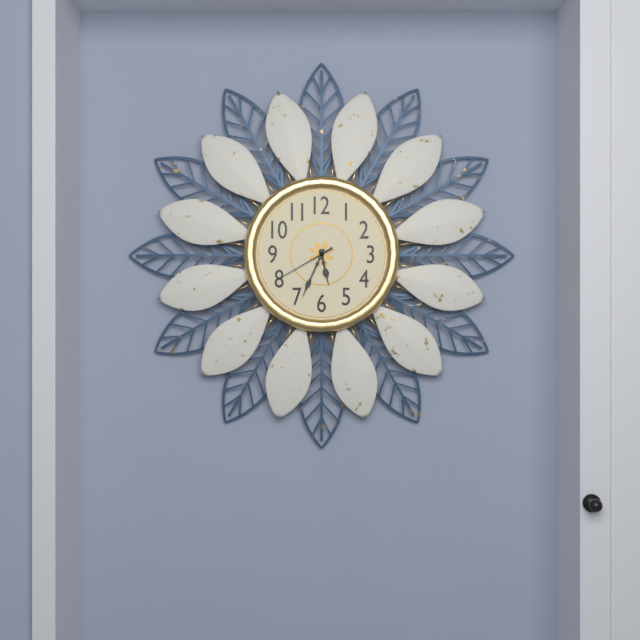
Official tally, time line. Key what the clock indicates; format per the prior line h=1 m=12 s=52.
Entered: h=5 m=34 s=40
